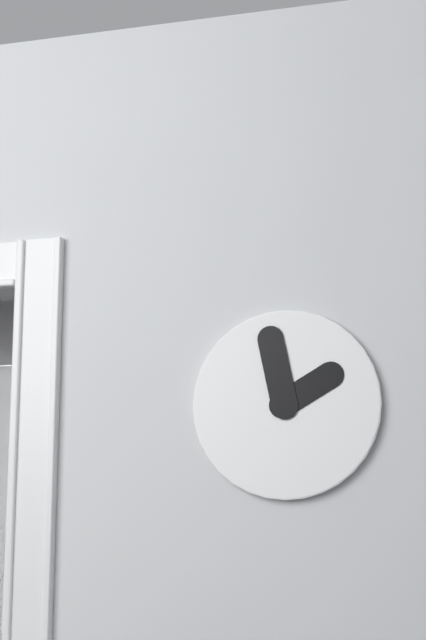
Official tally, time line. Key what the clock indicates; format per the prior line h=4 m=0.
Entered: h=1 m=58
